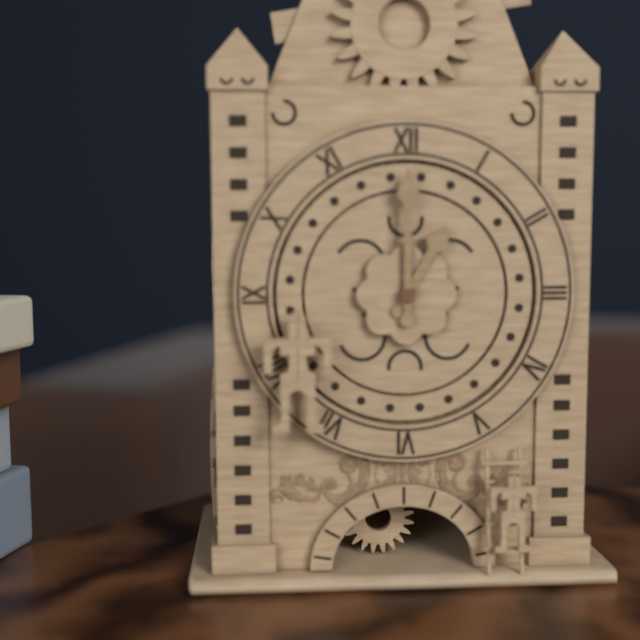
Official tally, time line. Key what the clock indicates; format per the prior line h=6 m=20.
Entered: h=1 m=0
